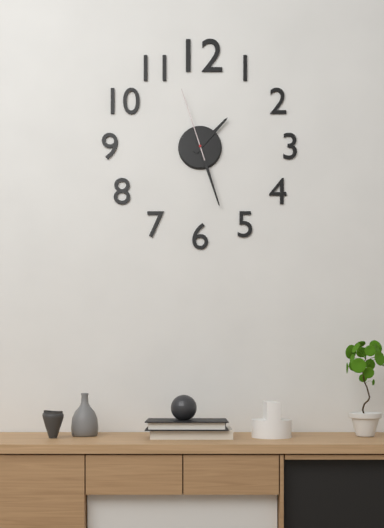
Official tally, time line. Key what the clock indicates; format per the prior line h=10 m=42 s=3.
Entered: h=1 m=27 s=57
